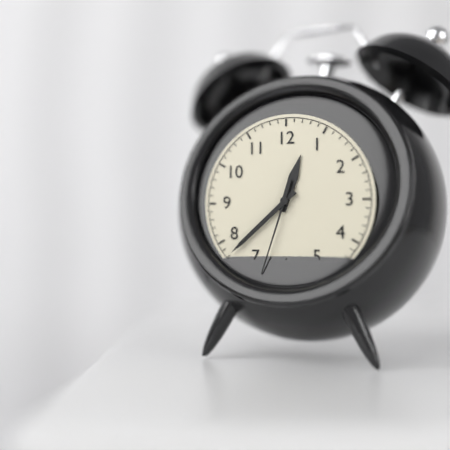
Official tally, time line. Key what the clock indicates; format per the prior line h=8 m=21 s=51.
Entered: h=12 m=38 s=33
